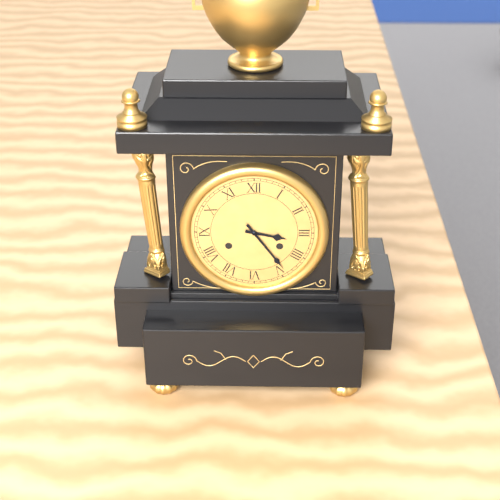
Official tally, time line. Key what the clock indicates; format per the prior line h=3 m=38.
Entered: h=3 m=24
